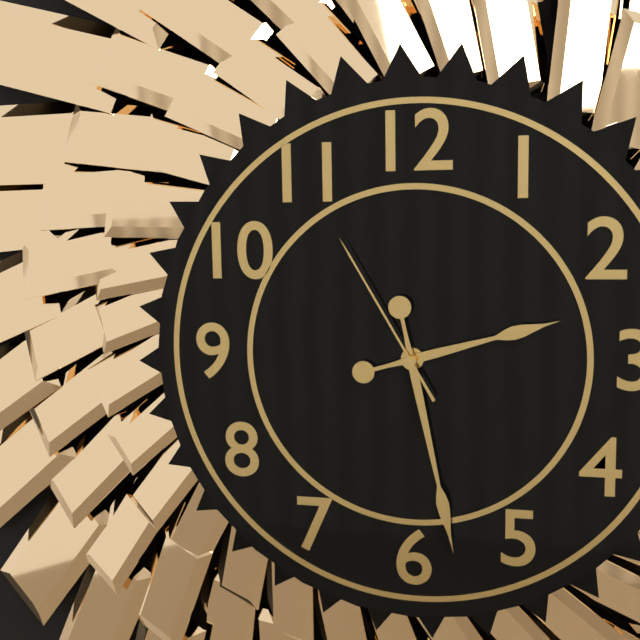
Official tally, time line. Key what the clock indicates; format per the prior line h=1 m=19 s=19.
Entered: h=2 m=28 s=55
